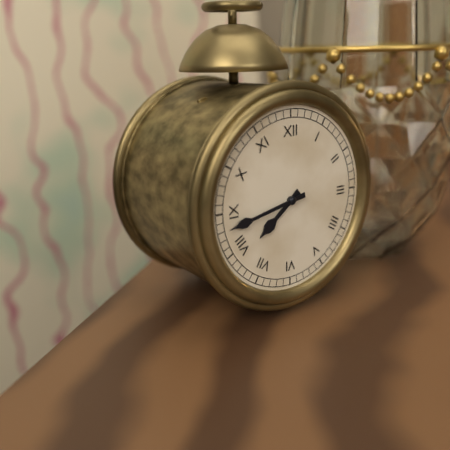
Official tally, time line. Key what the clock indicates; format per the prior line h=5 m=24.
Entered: h=7 m=43
